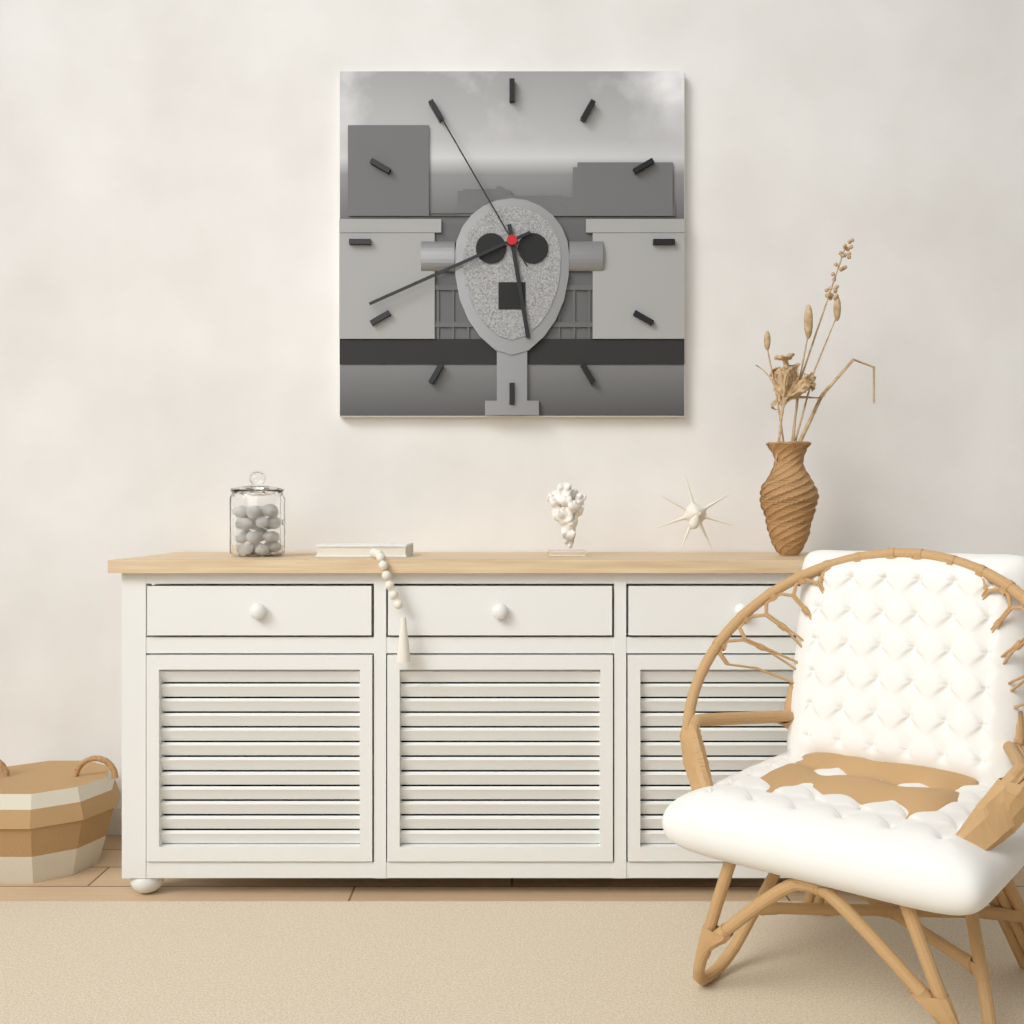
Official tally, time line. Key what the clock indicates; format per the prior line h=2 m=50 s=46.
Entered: h=5 m=41 s=55
